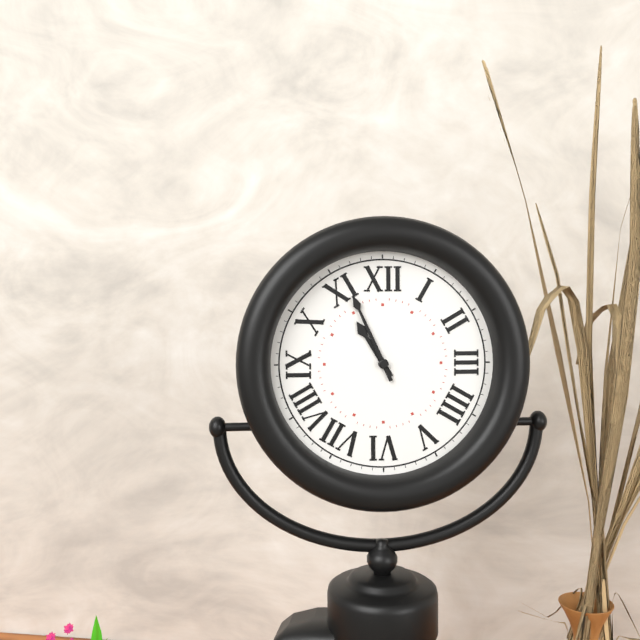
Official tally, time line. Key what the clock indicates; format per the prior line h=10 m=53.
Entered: h=10 m=56
